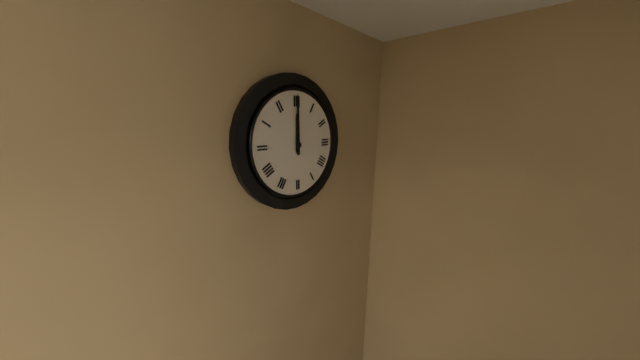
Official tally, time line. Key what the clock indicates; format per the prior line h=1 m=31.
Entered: h=12 m=0
